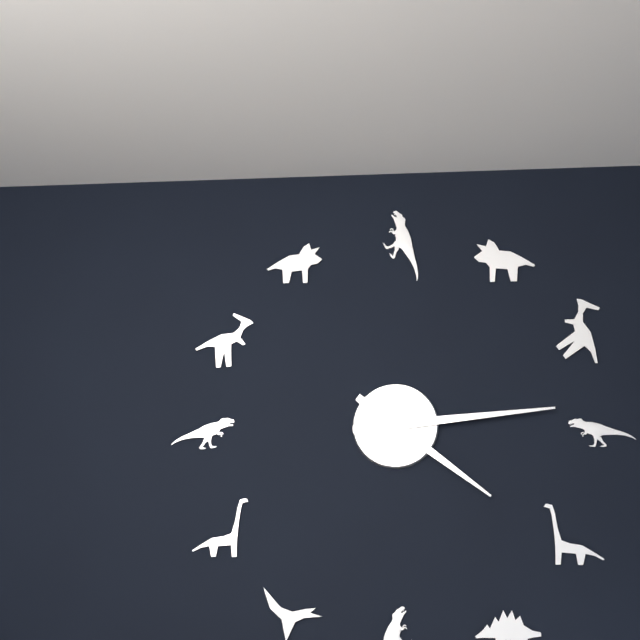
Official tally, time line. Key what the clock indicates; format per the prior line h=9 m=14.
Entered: h=4 m=14
